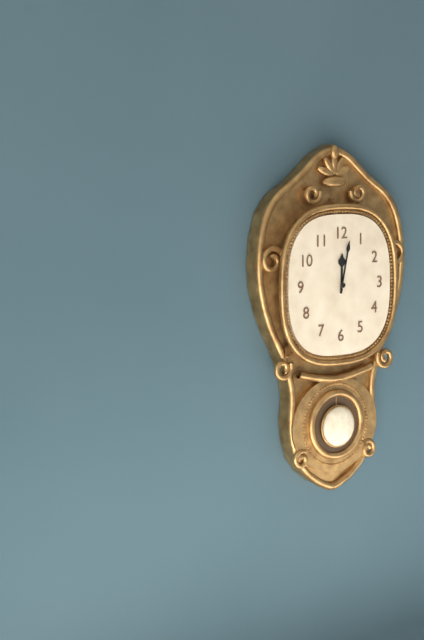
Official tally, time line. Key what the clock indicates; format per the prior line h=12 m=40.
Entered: h=12 m=2
